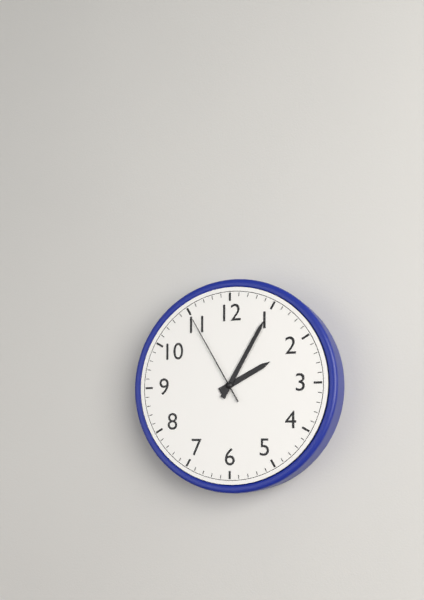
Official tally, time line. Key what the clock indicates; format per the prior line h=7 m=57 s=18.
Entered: h=2 m=5 s=55
